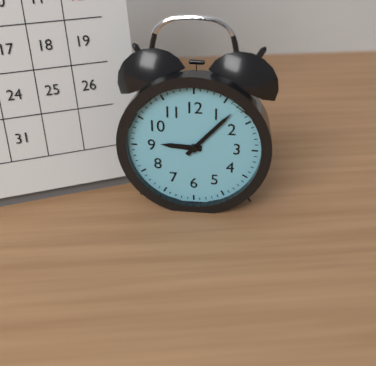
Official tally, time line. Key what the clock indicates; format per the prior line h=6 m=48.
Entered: h=9 m=7
